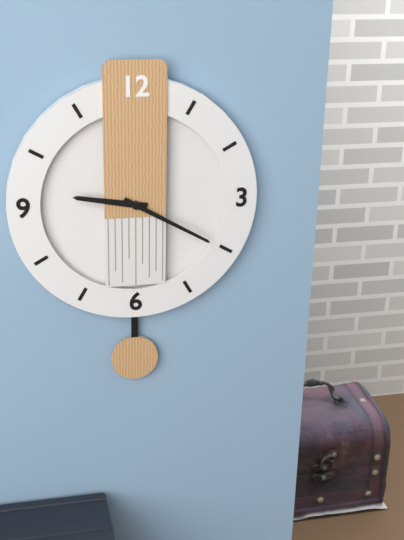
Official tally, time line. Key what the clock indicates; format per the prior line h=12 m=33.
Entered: h=9 m=20
